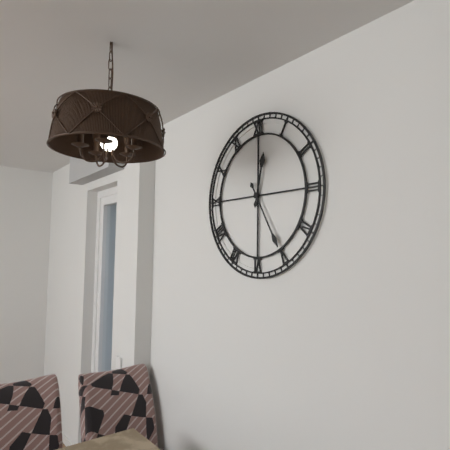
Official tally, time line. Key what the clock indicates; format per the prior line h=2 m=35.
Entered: h=12 m=25
